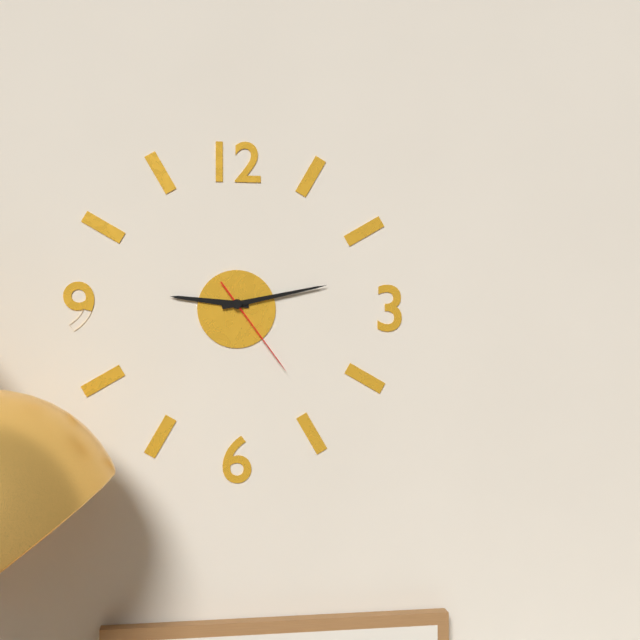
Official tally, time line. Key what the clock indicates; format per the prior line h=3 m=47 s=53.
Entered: h=9 m=13 s=24
